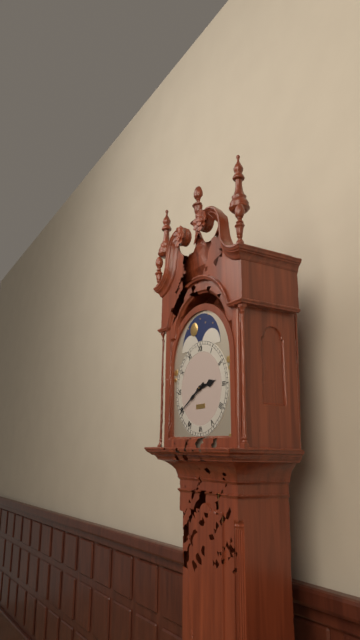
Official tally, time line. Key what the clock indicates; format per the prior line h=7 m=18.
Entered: h=2 m=40
